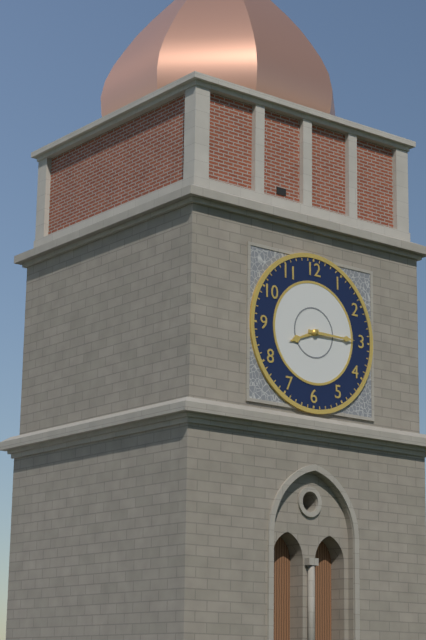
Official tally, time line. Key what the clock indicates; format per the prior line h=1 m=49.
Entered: h=8 m=15
